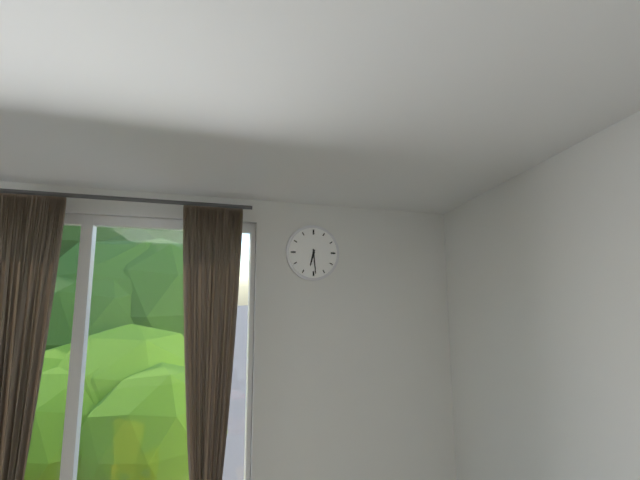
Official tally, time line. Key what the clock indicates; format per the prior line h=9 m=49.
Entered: h=6 m=29
